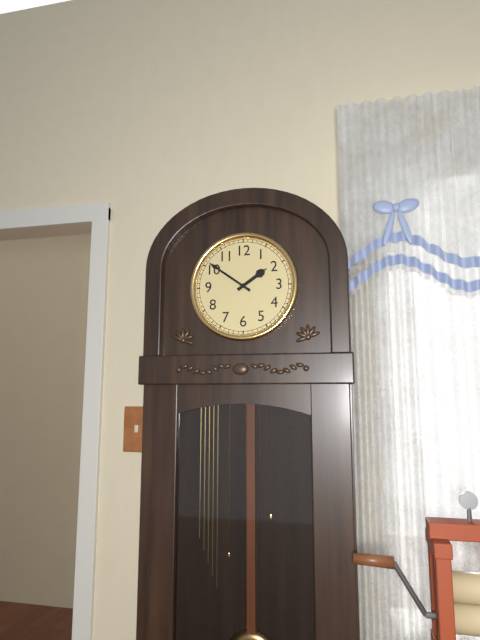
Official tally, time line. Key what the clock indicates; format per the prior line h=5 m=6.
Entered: h=1 m=51
